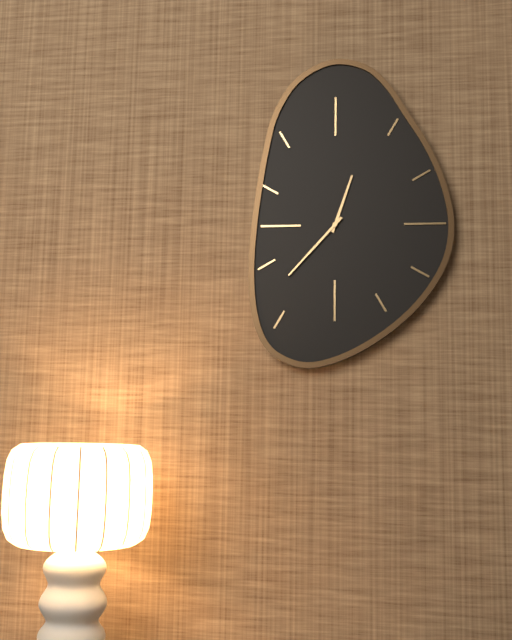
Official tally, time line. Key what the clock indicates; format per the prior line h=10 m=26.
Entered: h=12 m=37
